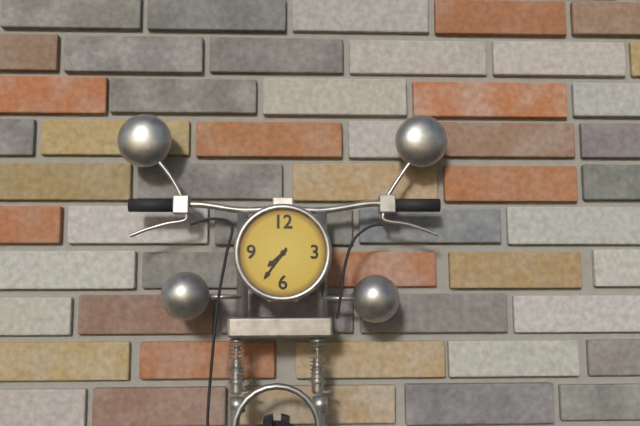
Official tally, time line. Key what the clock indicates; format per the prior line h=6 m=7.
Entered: h=7 m=36
